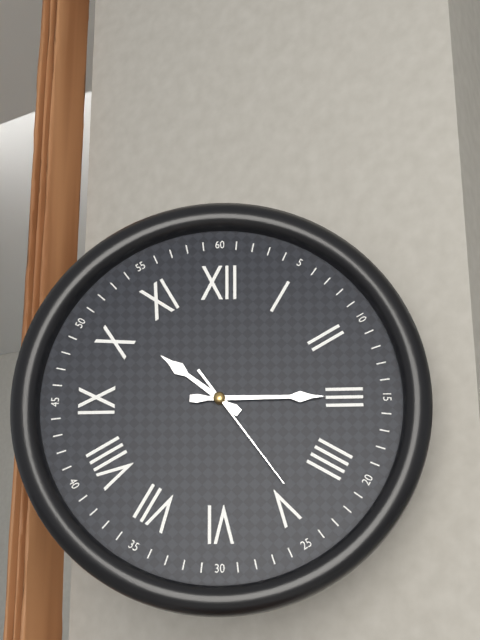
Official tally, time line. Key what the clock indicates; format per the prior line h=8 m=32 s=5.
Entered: h=10 m=15 s=24
